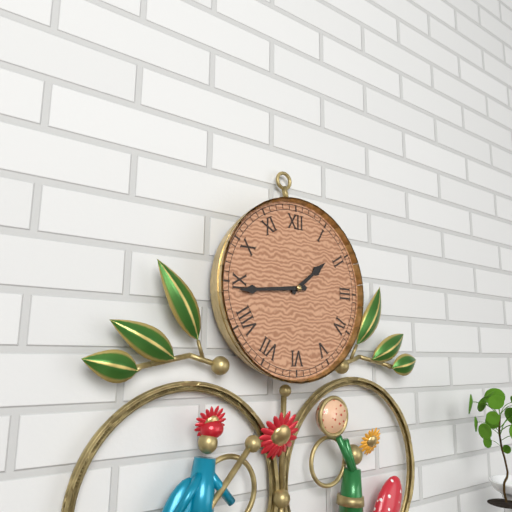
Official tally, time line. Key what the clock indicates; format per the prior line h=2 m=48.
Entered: h=1 m=44
